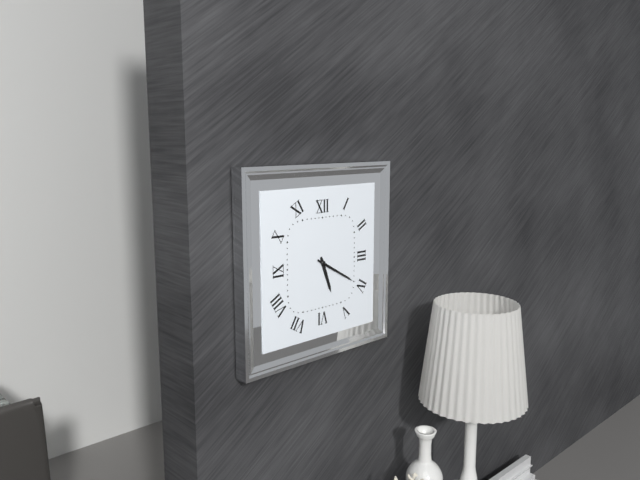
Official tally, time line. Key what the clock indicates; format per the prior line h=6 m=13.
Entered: h=5 m=20
